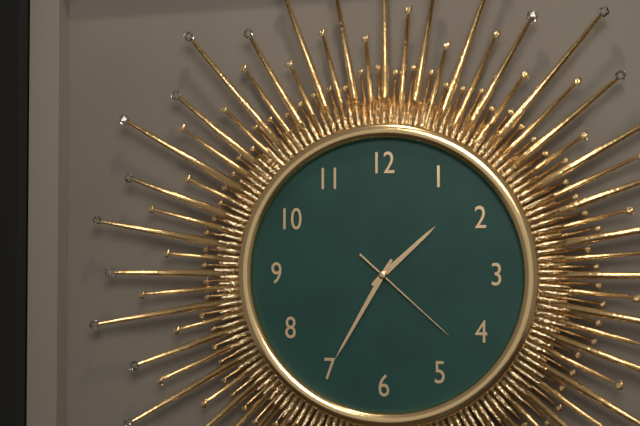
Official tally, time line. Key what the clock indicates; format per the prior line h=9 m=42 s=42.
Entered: h=1 m=35 s=22
